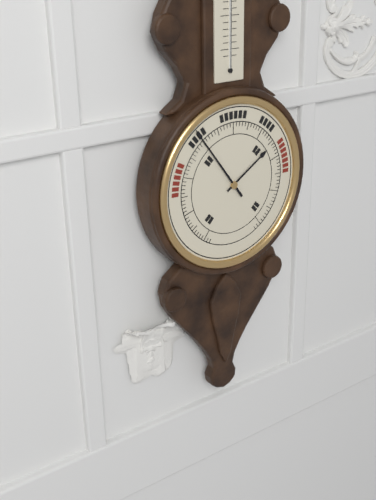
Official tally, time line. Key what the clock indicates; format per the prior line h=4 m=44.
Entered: h=1 m=54
